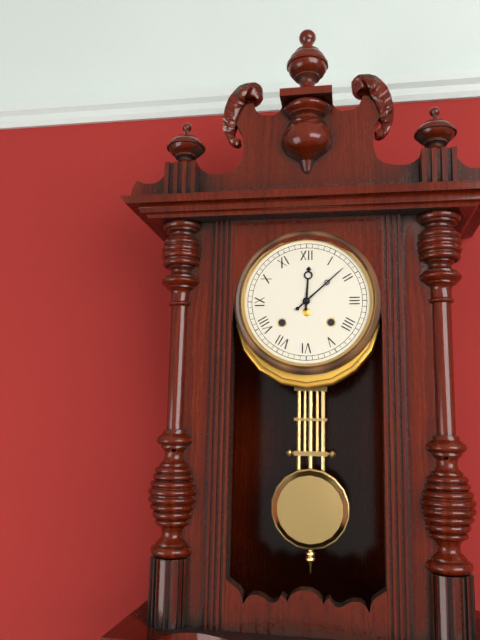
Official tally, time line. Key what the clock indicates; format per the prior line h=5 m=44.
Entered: h=12 m=8
